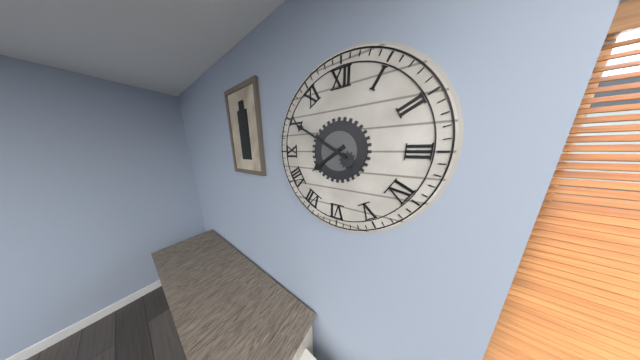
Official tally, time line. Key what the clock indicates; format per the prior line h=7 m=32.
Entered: h=7 m=50
